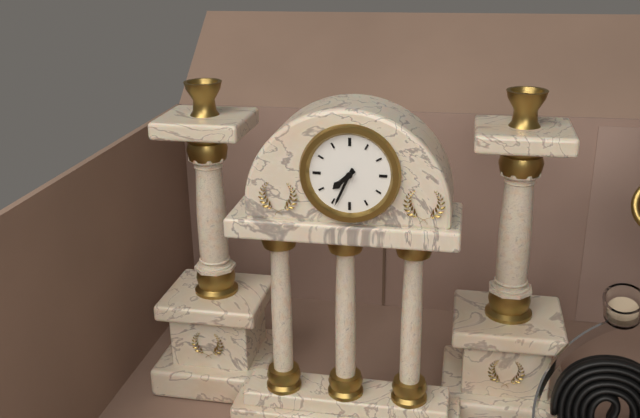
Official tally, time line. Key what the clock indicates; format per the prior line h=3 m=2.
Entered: h=7 m=34
